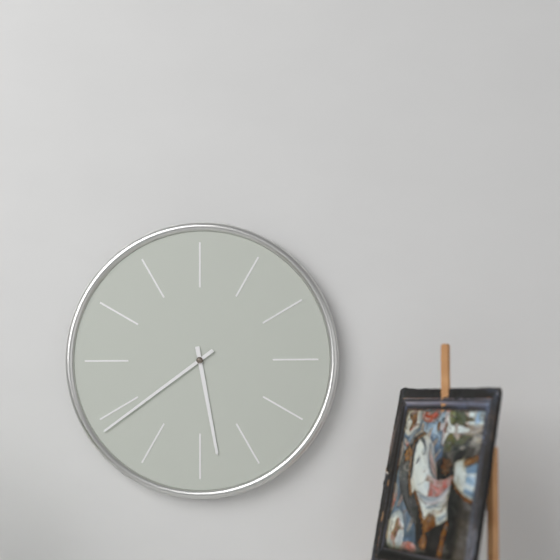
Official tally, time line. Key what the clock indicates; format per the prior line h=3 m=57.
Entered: h=5 m=39
